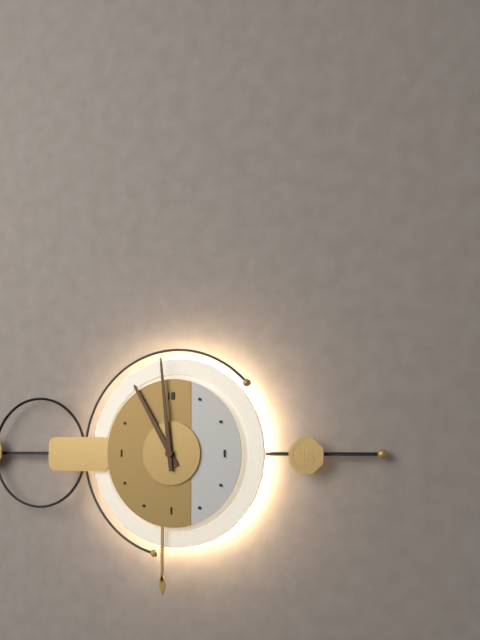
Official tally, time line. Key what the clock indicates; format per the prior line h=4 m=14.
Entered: h=10 m=59
